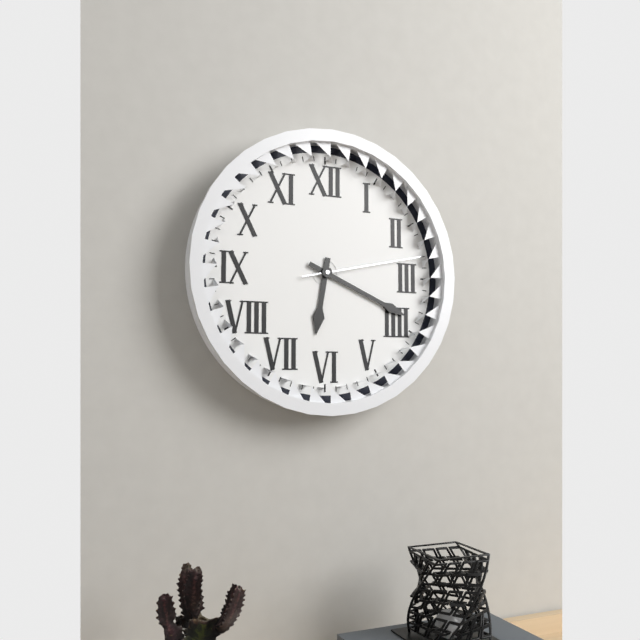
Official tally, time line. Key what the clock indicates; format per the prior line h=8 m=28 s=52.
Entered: h=6 m=19 s=13
